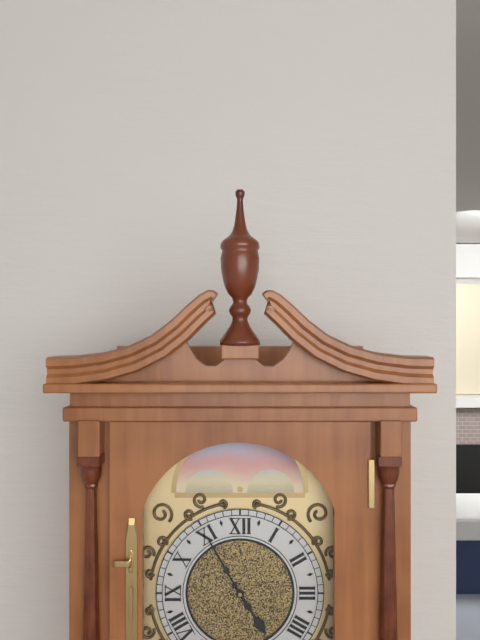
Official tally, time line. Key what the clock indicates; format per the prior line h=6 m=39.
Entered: h=4 m=55
